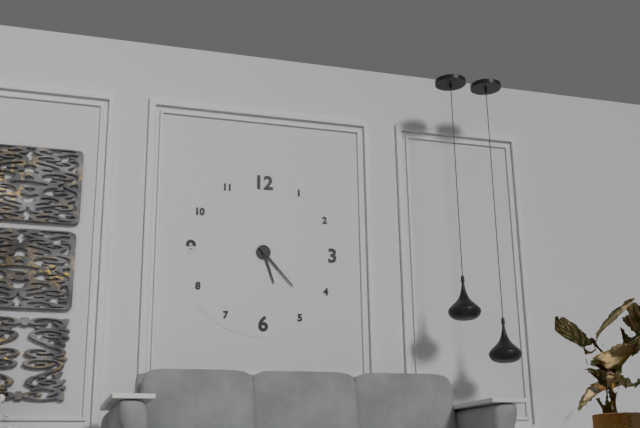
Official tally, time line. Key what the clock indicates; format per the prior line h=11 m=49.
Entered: h=5 m=23
